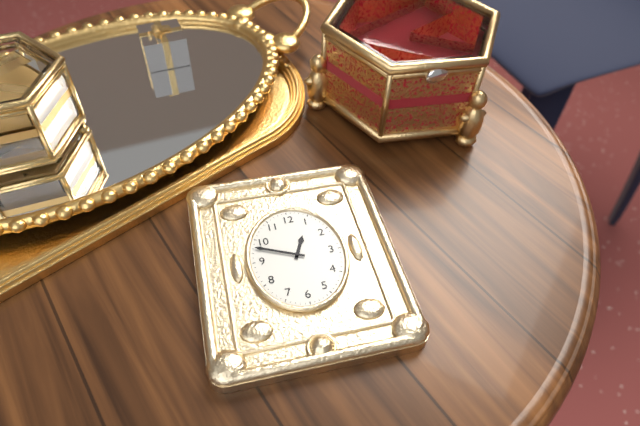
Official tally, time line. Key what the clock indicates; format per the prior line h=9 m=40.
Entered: h=12 m=49
